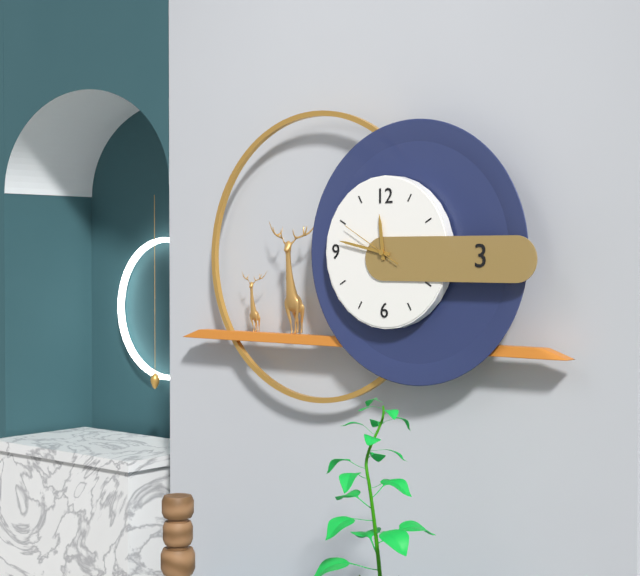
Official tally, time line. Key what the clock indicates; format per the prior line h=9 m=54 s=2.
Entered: h=11 m=47 s=50
